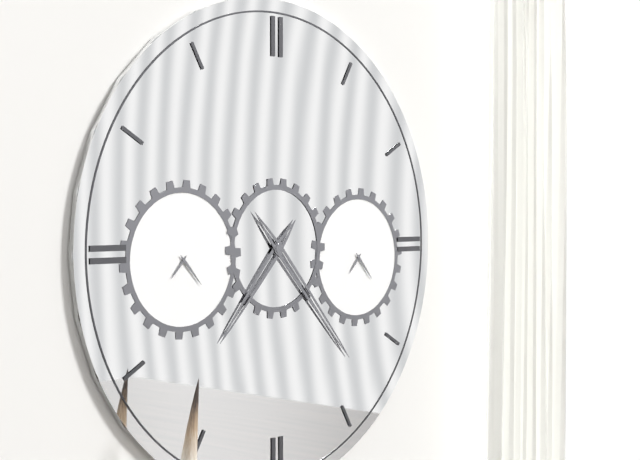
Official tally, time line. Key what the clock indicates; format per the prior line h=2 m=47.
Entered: h=7 m=23
